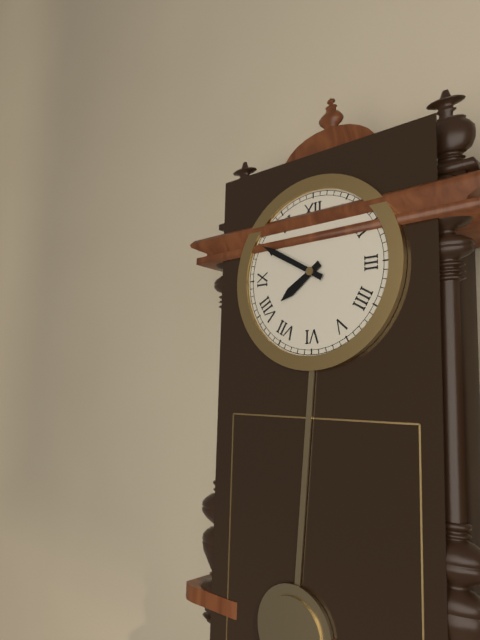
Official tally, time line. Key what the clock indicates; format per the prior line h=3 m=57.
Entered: h=7 m=50
